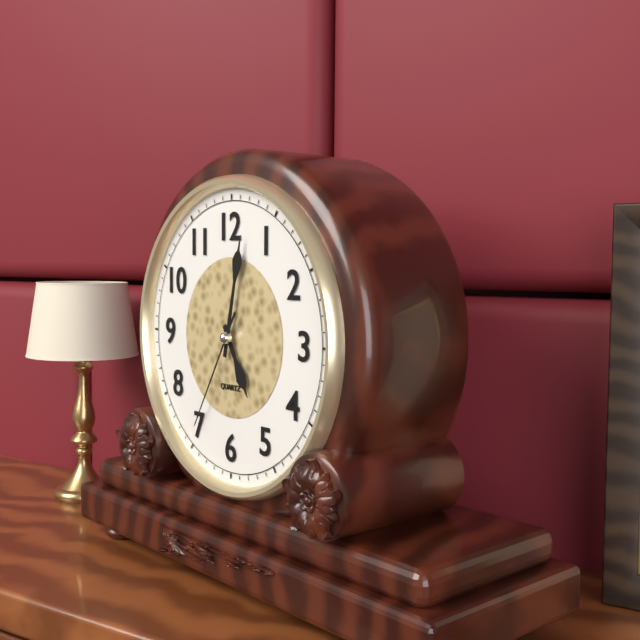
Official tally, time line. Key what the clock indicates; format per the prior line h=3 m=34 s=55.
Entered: h=5 m=2 s=35
